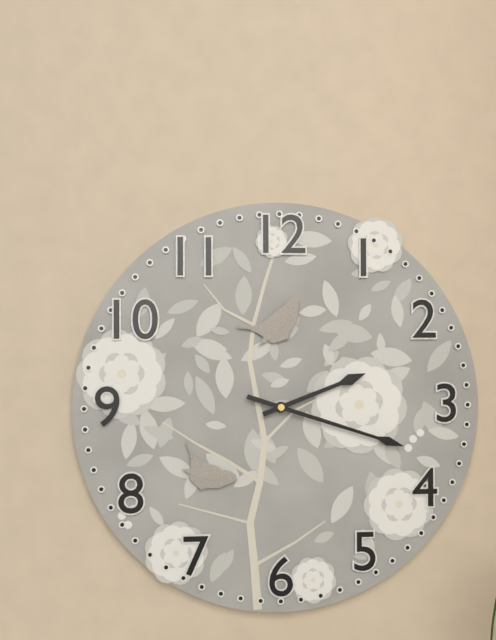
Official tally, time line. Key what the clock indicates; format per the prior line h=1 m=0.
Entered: h=2 m=18
